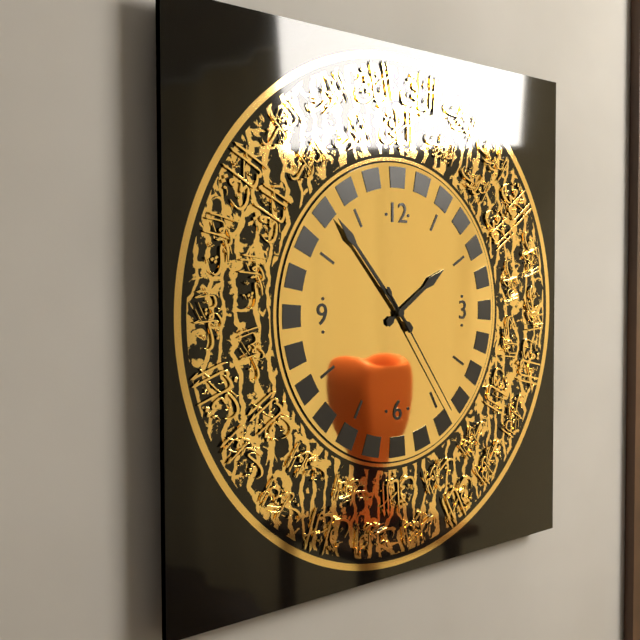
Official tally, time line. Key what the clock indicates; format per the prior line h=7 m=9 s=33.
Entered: h=1 m=53 s=24
